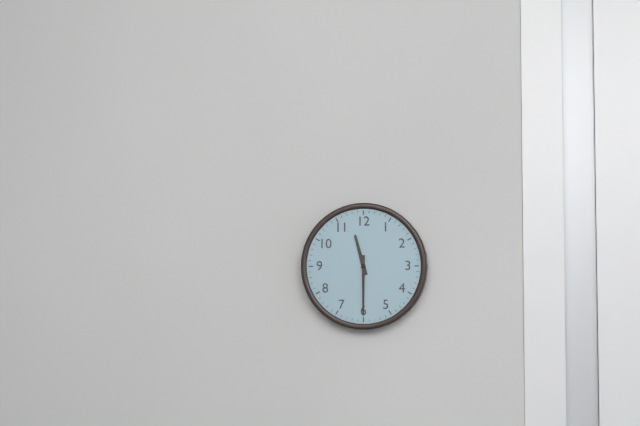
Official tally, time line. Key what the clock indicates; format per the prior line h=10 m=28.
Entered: h=11 m=30
